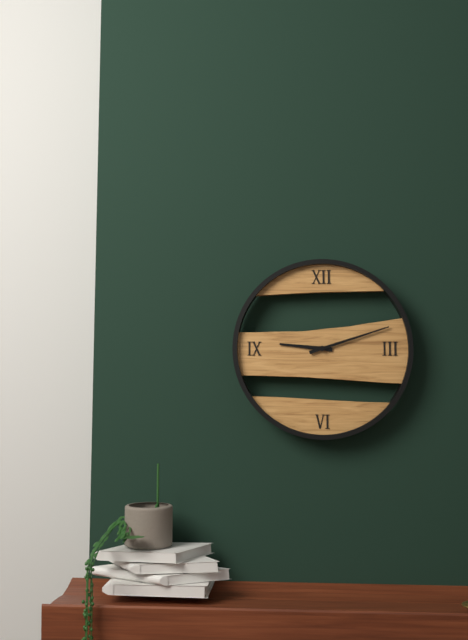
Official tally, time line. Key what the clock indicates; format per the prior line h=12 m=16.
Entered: h=9 m=12
